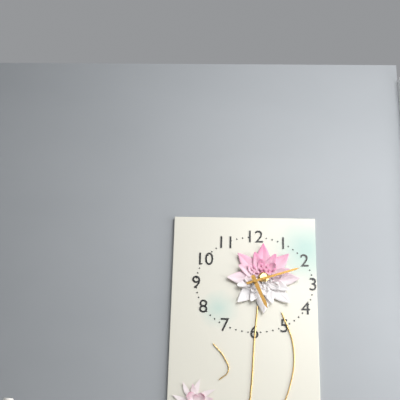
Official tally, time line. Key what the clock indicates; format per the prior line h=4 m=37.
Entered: h=5 m=12
